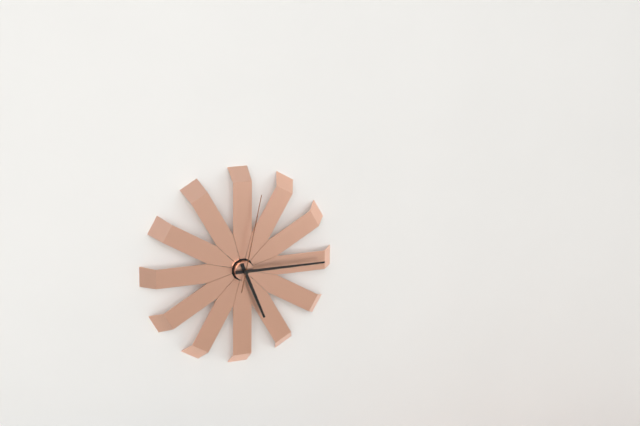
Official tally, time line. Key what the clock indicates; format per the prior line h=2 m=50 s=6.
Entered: h=5 m=15 s=2
